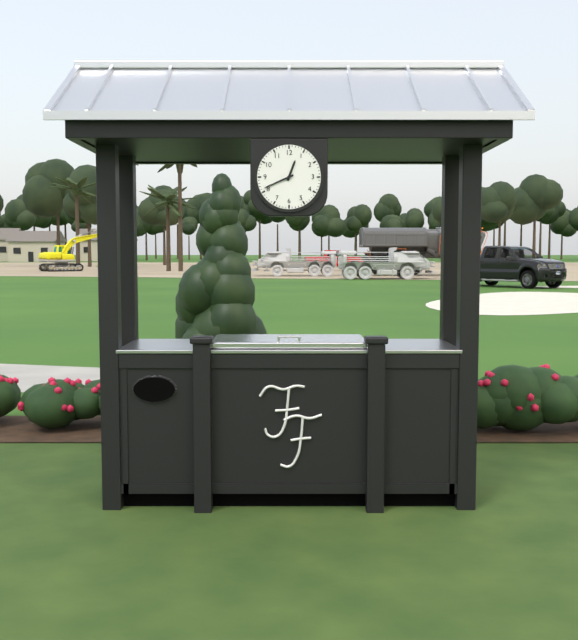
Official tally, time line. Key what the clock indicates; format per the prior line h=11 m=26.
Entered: h=12 m=41
